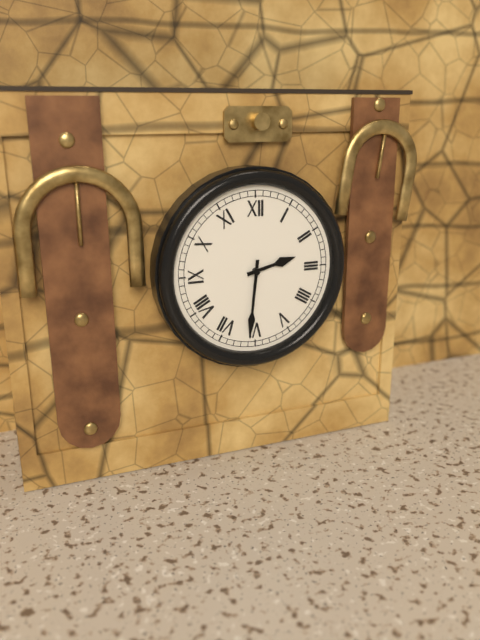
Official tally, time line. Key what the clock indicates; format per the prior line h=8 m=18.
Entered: h=2 m=31
